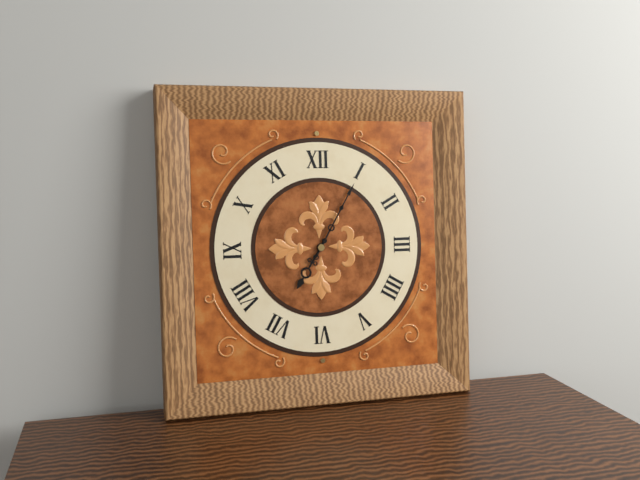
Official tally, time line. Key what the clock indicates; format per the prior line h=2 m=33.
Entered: h=7 m=5
